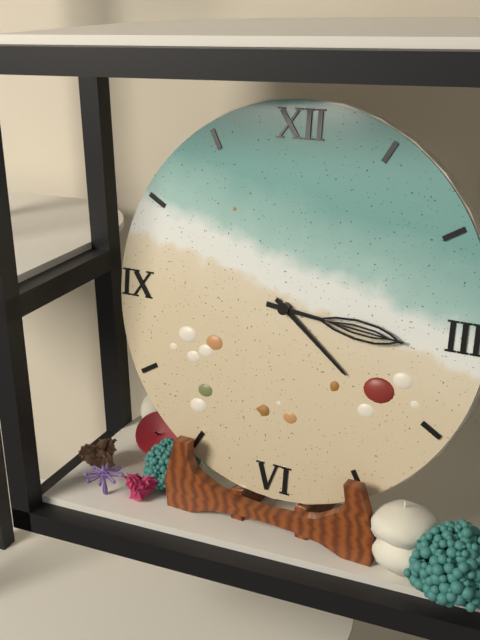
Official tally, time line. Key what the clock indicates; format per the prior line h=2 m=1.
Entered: h=4 m=16
